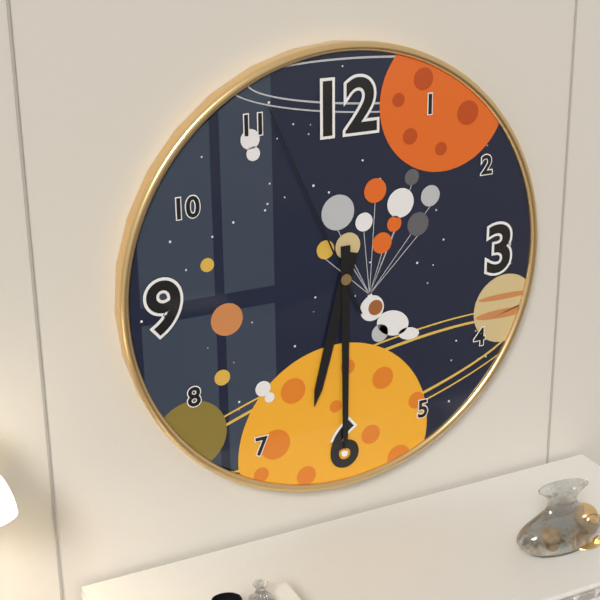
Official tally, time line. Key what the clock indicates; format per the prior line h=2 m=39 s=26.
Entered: h=6 m=30 s=56
